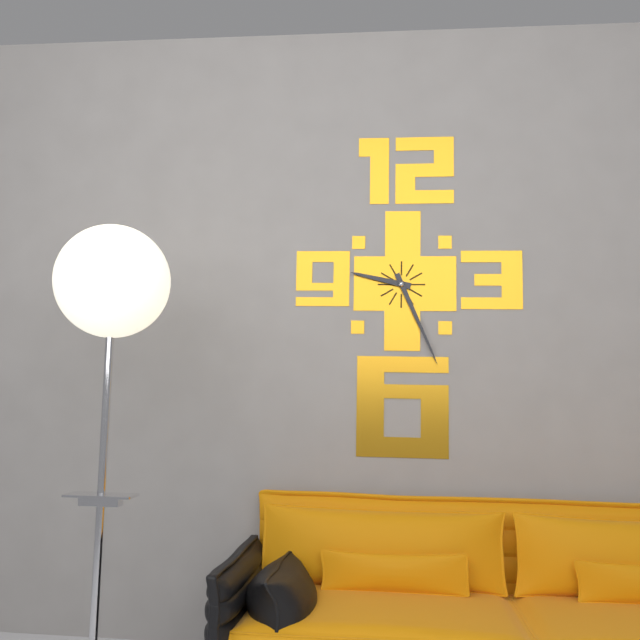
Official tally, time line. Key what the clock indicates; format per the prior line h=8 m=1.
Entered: h=9 m=26
